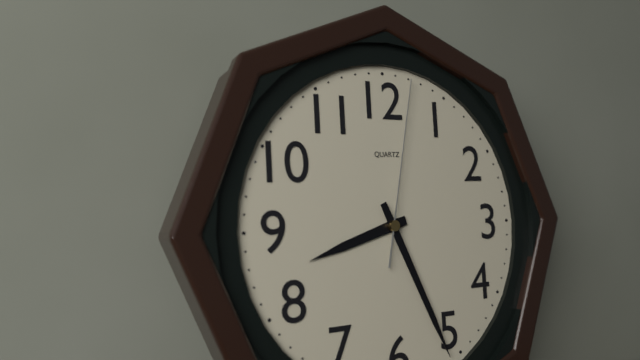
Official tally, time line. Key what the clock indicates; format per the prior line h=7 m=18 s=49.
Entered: h=8 m=26 s=2
